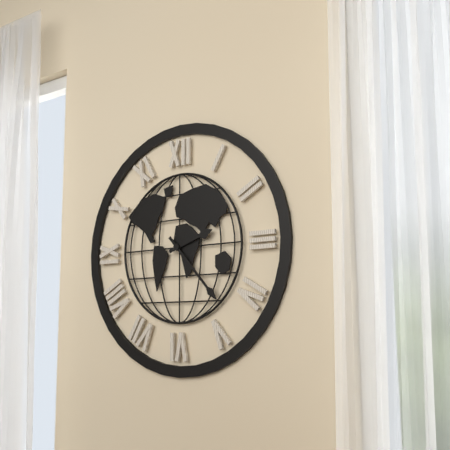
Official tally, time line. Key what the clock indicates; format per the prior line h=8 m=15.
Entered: h=2 m=23
